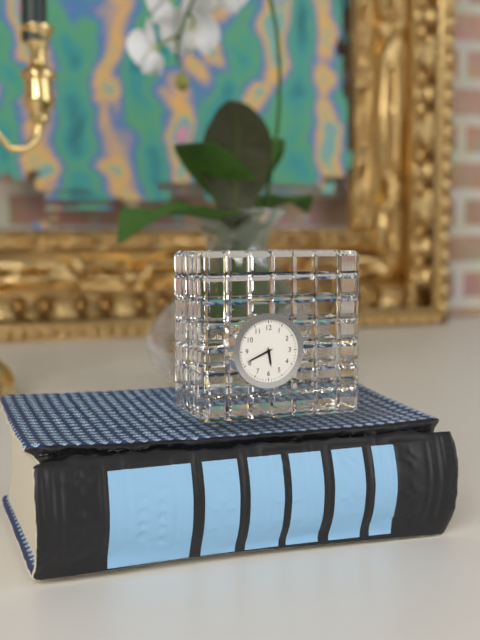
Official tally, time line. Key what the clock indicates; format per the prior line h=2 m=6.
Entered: h=5 m=41
